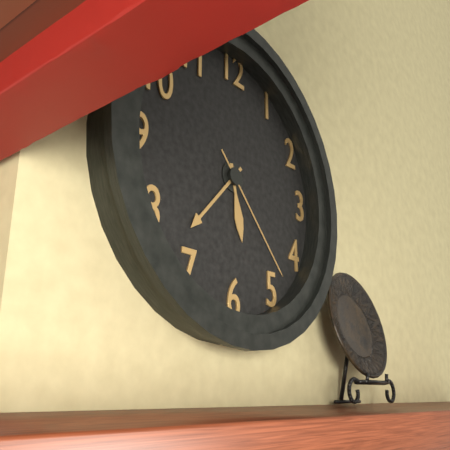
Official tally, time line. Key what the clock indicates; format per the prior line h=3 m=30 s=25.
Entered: h=5 m=37 s=23
